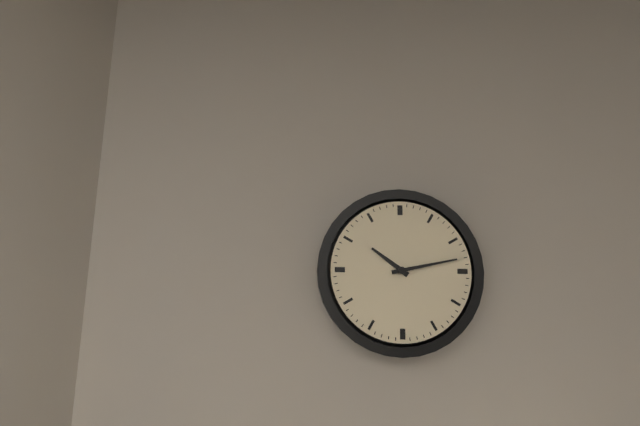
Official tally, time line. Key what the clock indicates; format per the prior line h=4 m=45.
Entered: h=10 m=13
